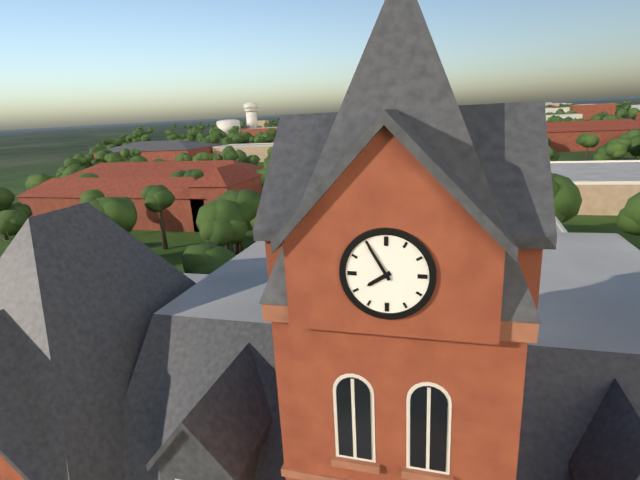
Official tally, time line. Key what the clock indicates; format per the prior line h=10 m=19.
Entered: h=7 m=55
